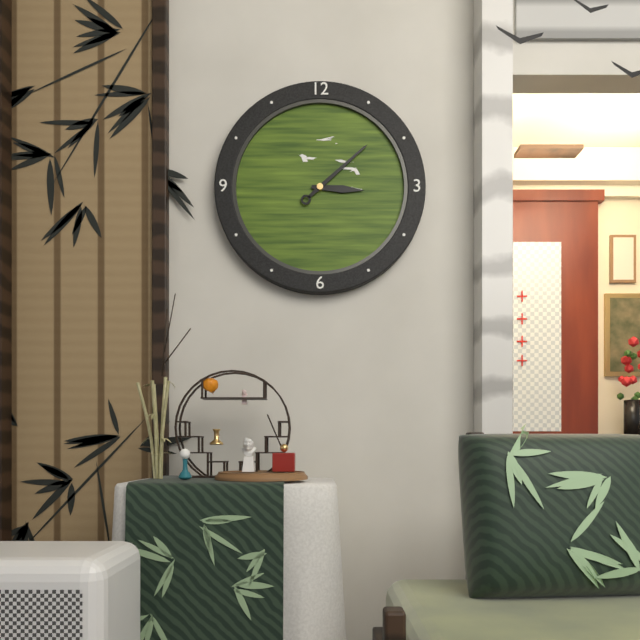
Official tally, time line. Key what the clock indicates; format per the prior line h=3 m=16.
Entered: h=3 m=8
